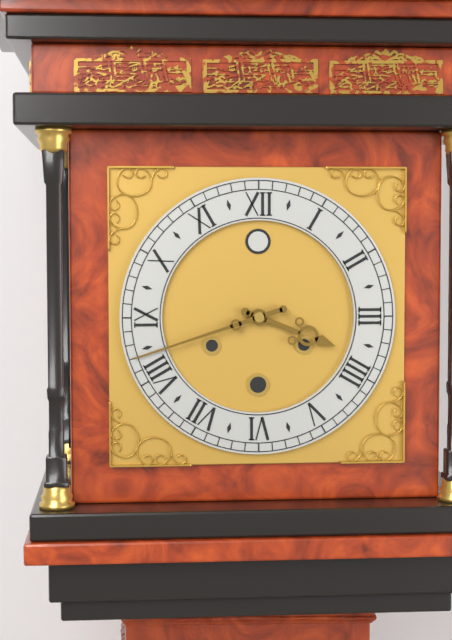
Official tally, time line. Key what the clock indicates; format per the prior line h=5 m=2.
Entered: h=3 m=42
